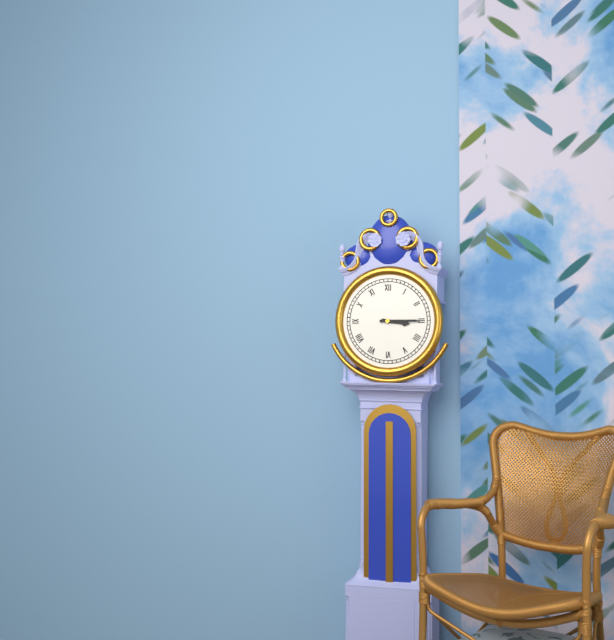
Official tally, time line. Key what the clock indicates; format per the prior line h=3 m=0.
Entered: h=3 m=15
